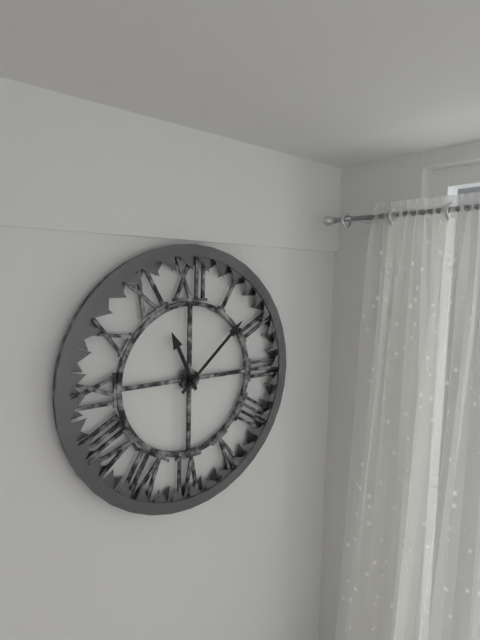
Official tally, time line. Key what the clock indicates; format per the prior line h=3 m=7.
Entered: h=11 m=8
